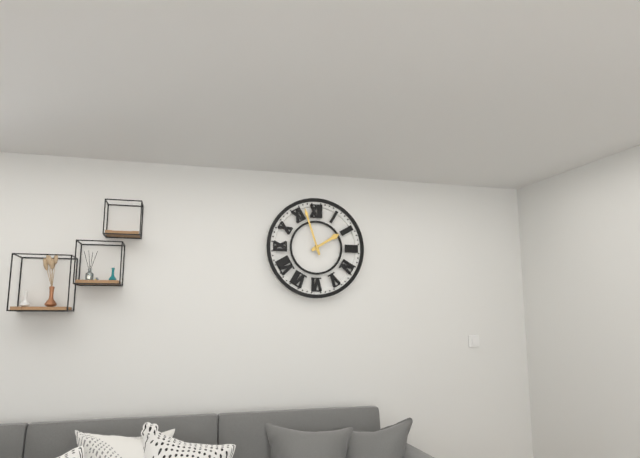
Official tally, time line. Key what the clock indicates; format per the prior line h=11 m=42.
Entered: h=1 m=57
